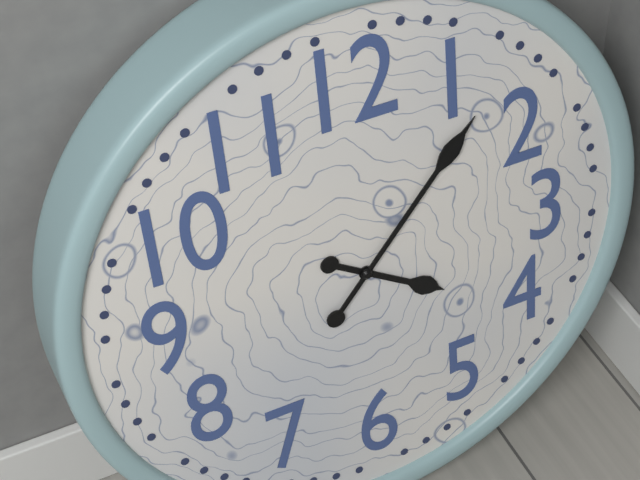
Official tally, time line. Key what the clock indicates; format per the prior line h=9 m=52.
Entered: h=4 m=7
